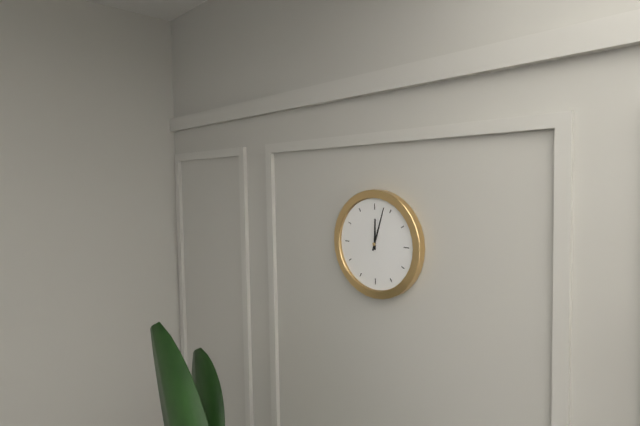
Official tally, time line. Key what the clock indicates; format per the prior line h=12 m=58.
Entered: h=12 m=3
